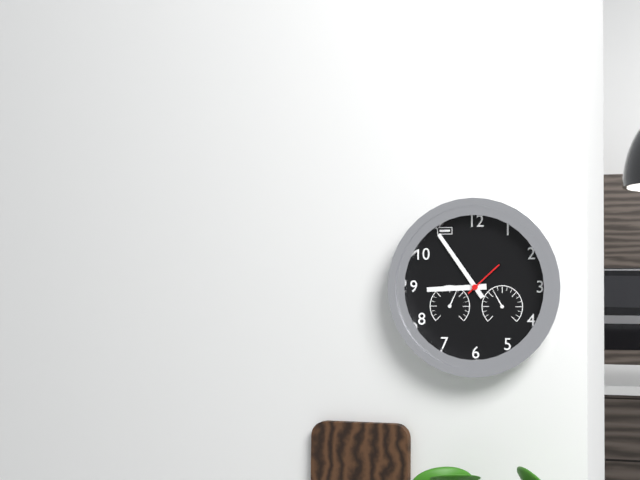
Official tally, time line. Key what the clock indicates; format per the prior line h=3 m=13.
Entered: h=8 m=54
